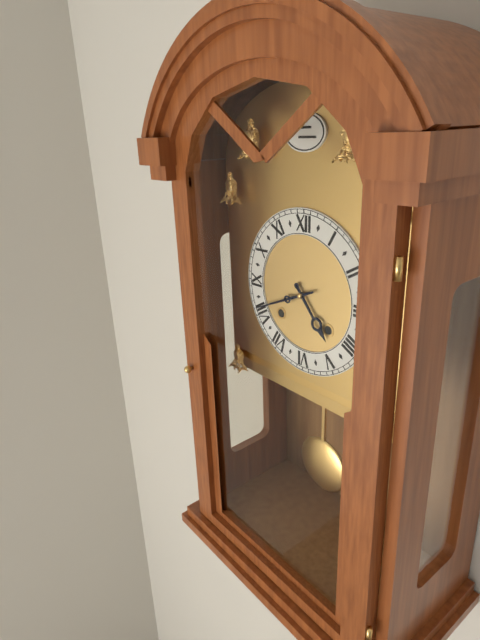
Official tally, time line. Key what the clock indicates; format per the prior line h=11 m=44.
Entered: h=4 m=41
